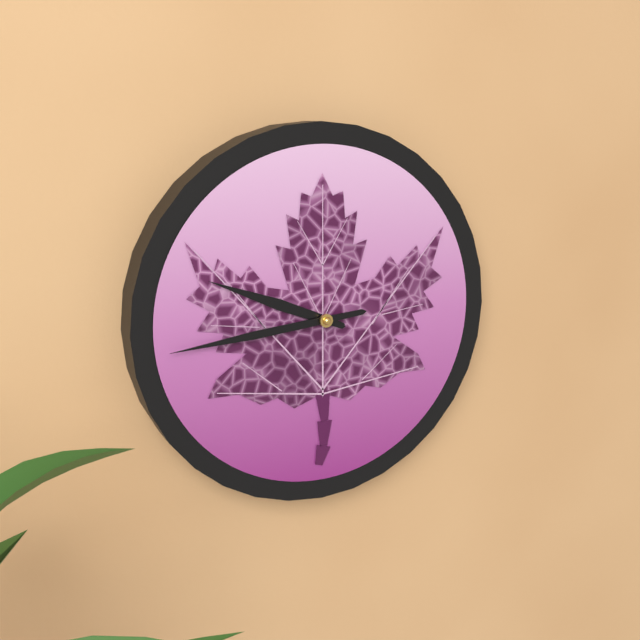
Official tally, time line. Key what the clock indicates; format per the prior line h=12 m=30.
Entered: h=9 m=44
